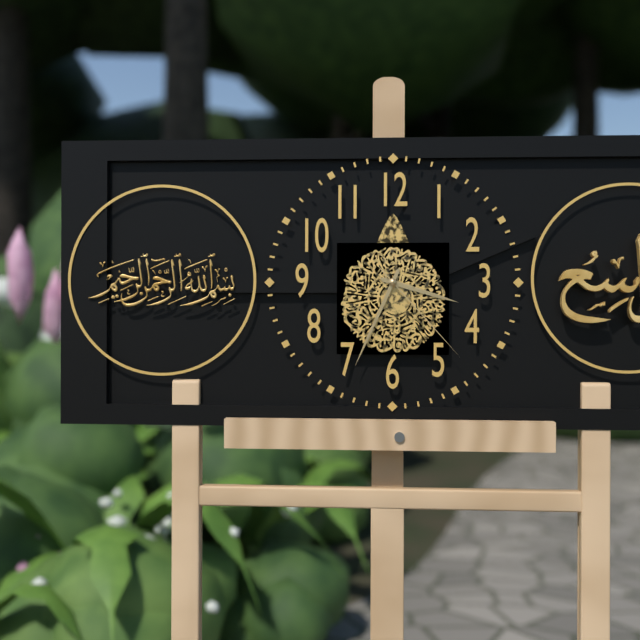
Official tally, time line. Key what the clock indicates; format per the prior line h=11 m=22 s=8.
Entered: h=3 m=34 s=23
